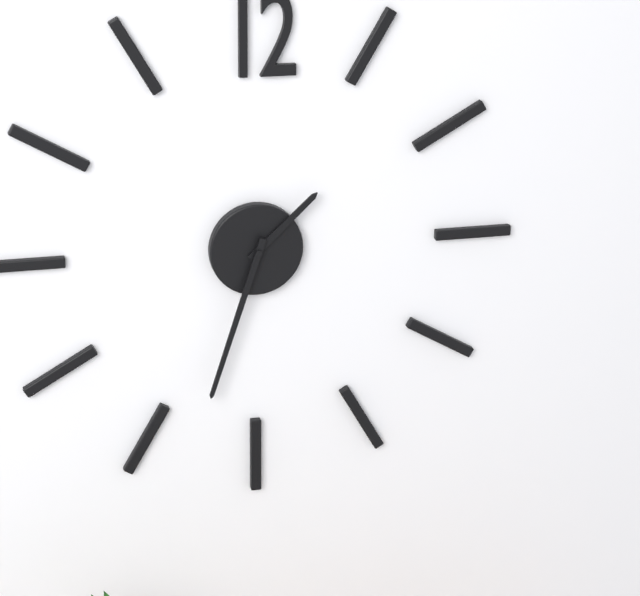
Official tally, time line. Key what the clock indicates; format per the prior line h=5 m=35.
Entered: h=1 m=33
